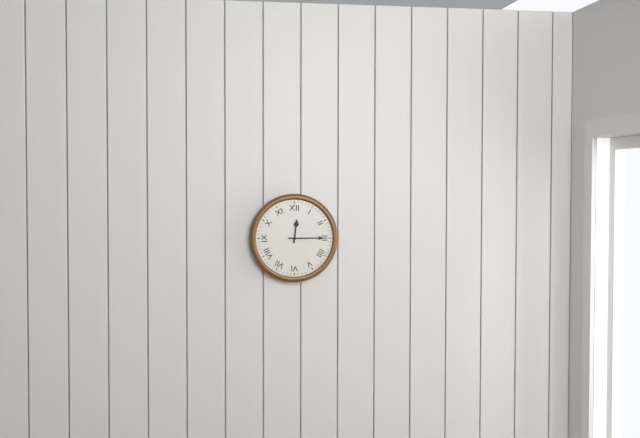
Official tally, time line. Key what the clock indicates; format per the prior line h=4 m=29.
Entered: h=12 m=15
